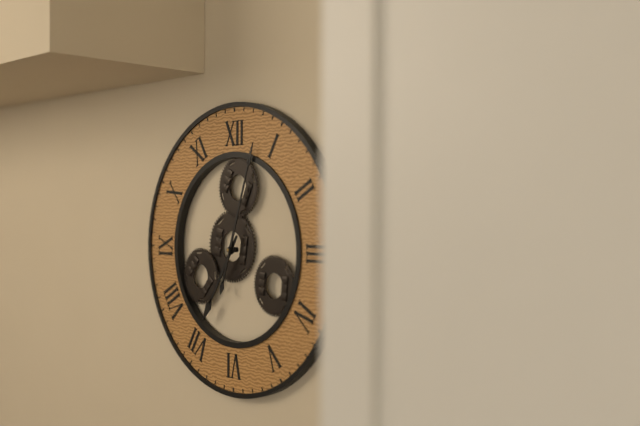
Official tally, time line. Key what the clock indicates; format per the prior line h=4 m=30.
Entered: h=7 m=3
